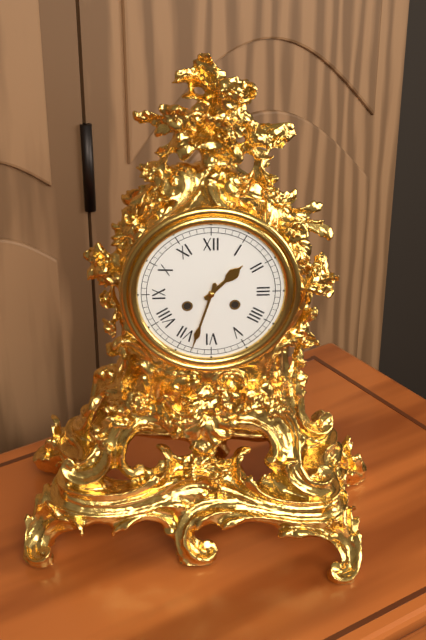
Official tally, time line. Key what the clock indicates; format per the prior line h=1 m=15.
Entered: h=1 m=33
